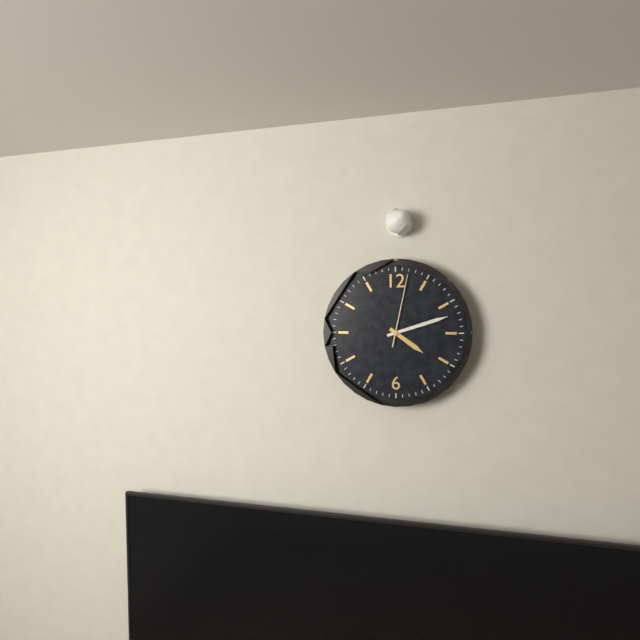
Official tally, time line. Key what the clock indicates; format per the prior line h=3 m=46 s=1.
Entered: h=4 m=12 s=2
